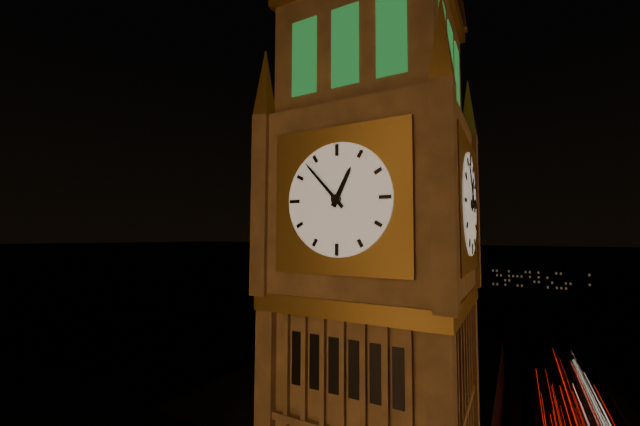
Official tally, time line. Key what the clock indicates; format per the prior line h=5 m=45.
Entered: h=12 m=53
